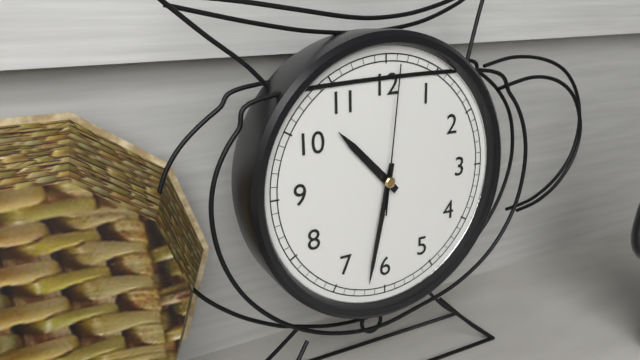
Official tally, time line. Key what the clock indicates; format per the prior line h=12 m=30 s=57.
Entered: h=10 m=32 s=1
